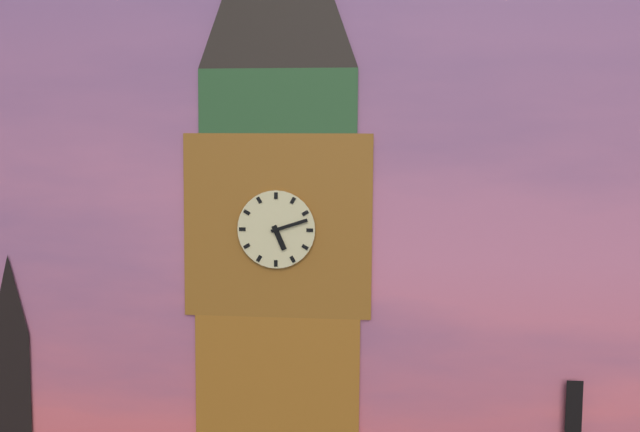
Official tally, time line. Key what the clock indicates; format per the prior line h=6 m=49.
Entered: h=5 m=12
